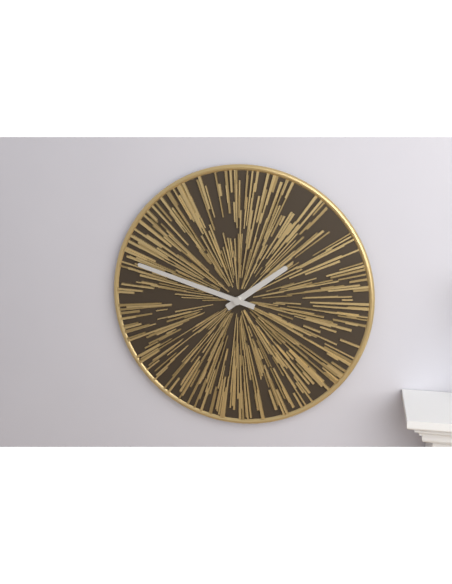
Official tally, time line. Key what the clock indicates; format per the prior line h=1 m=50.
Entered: h=1 m=48
